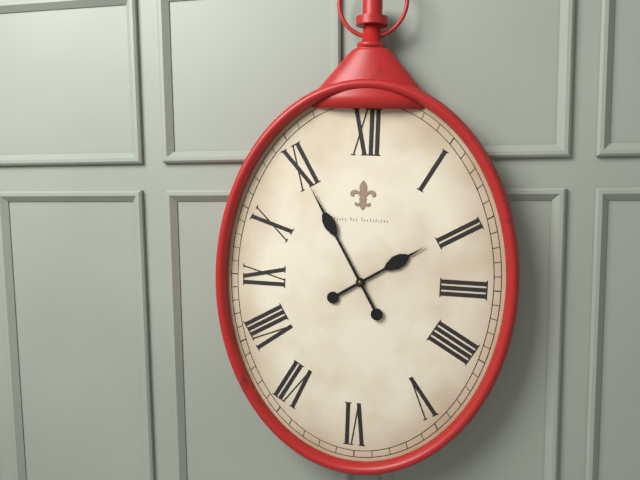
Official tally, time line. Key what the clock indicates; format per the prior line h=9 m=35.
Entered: h=1 m=55
